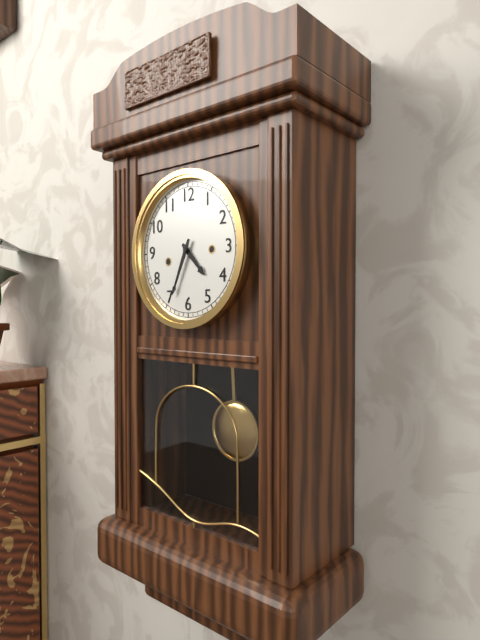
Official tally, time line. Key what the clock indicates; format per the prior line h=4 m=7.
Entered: h=4 m=34
